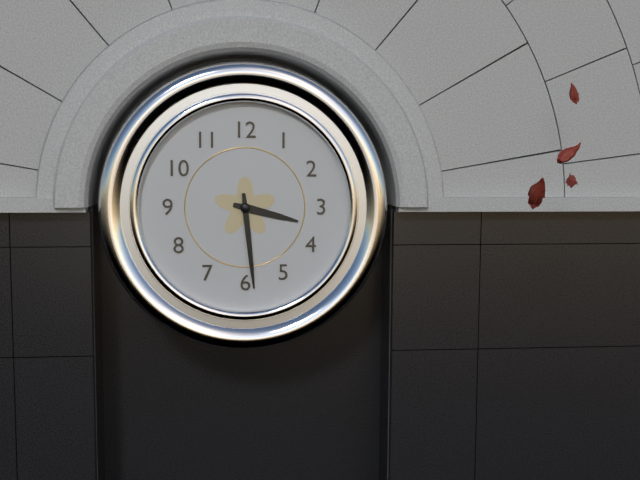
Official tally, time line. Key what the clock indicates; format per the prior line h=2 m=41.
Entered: h=3 m=29
